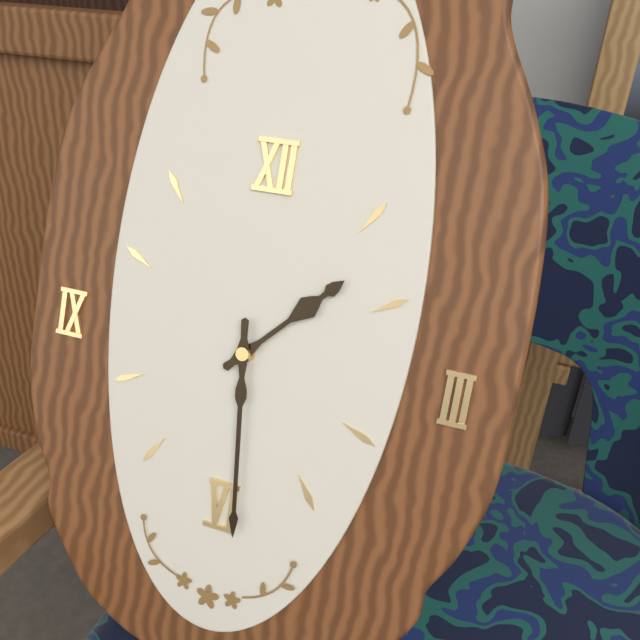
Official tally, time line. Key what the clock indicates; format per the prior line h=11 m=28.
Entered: h=1 m=29
